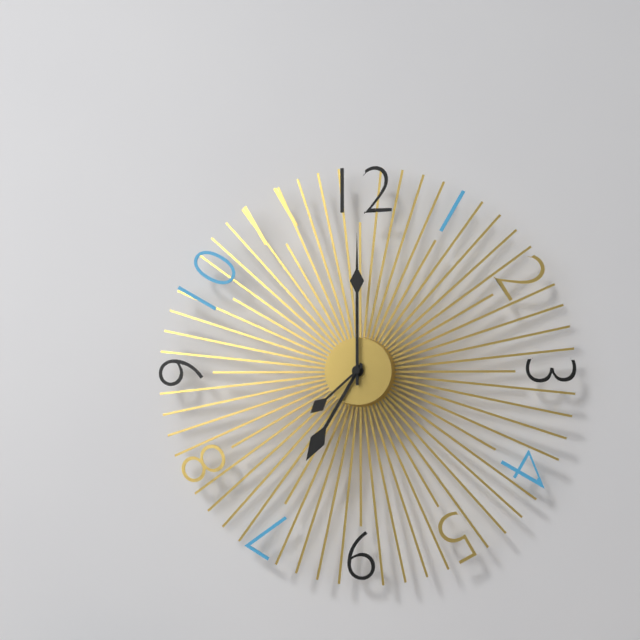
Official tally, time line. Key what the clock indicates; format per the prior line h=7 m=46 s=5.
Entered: h=7 m=0 s=38
